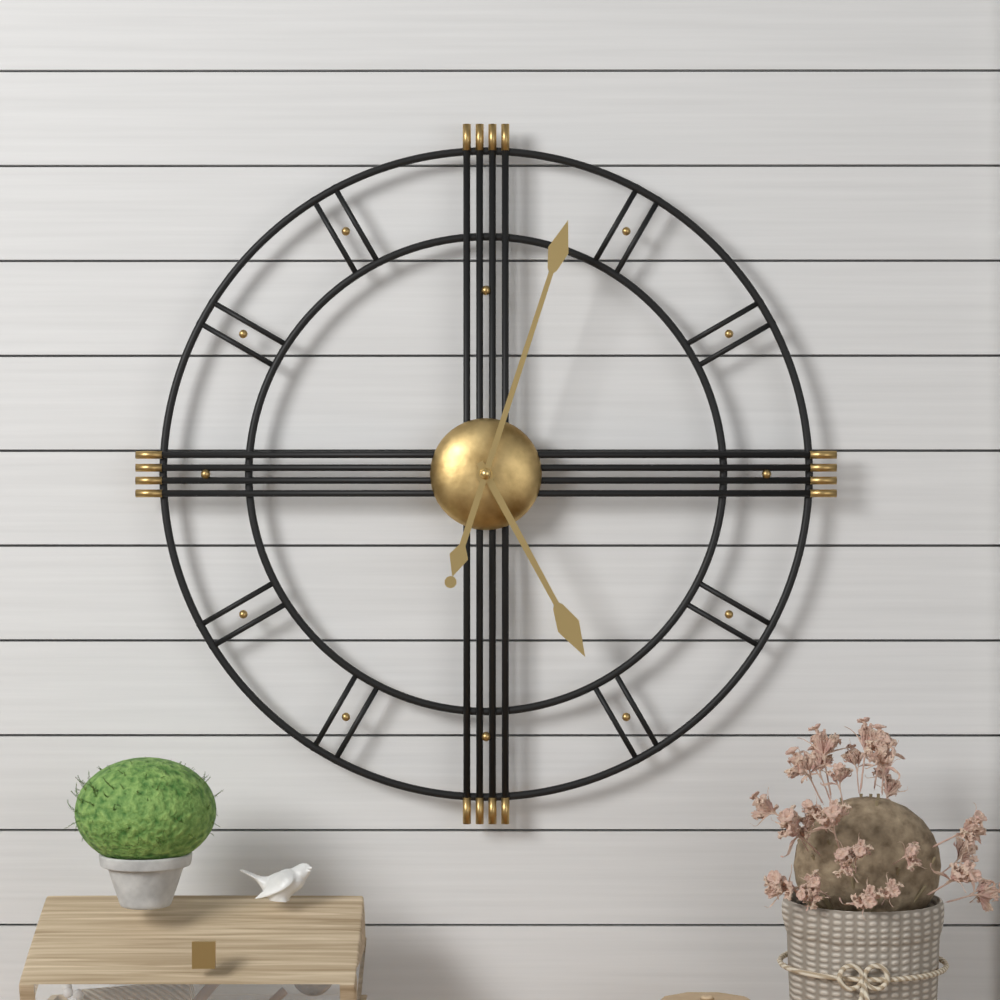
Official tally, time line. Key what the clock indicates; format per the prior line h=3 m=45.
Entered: h=5 m=3
